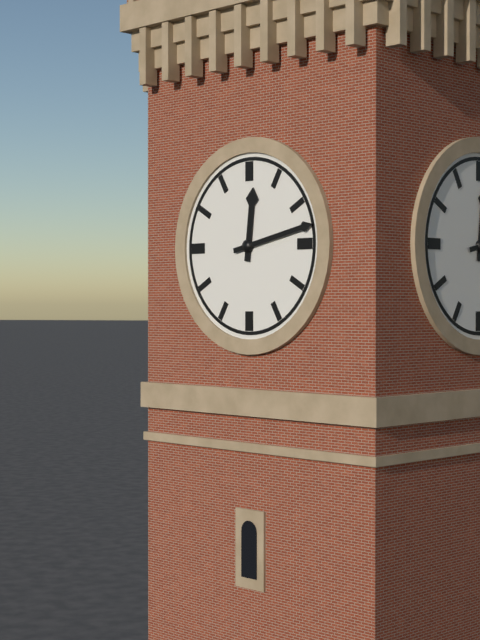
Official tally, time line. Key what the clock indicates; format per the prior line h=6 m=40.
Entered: h=12 m=13
